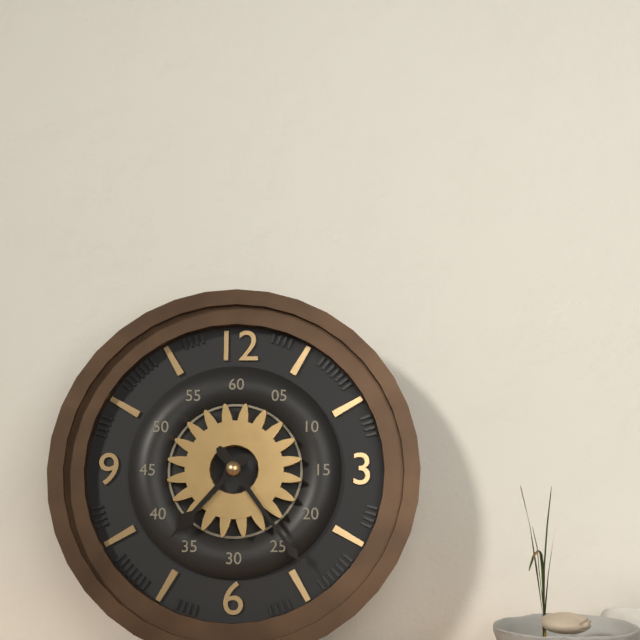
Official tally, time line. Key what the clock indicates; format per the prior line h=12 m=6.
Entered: h=7 m=24
